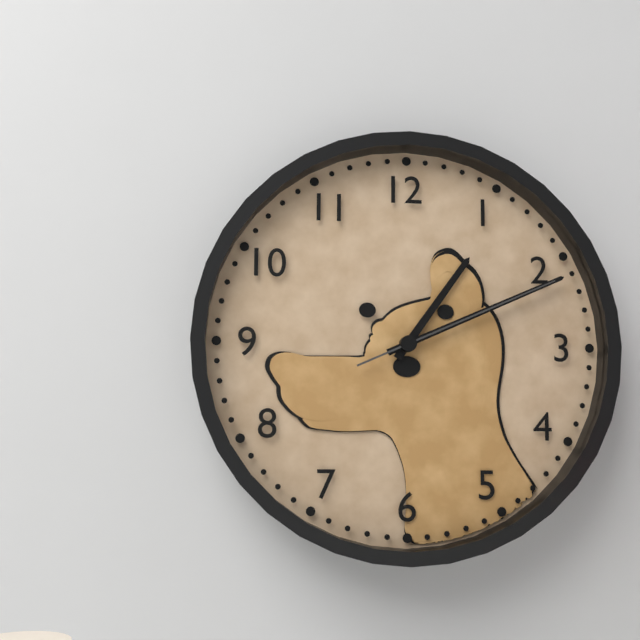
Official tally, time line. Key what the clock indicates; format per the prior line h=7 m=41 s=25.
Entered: h=1 m=11 s=11
